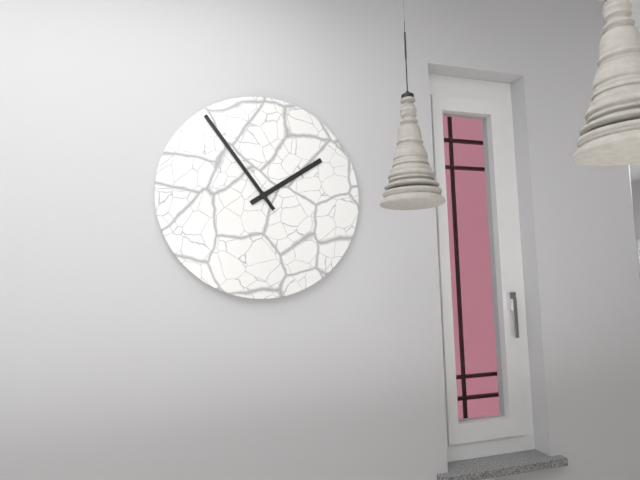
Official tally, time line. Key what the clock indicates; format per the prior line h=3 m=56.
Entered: h=1 m=54
